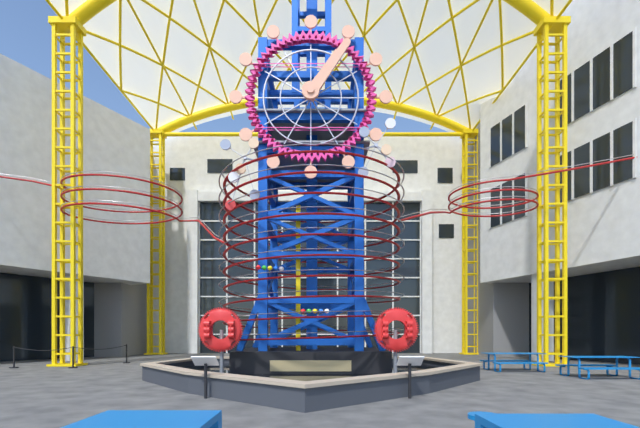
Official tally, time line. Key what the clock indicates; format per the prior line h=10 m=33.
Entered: h=1 m=6
